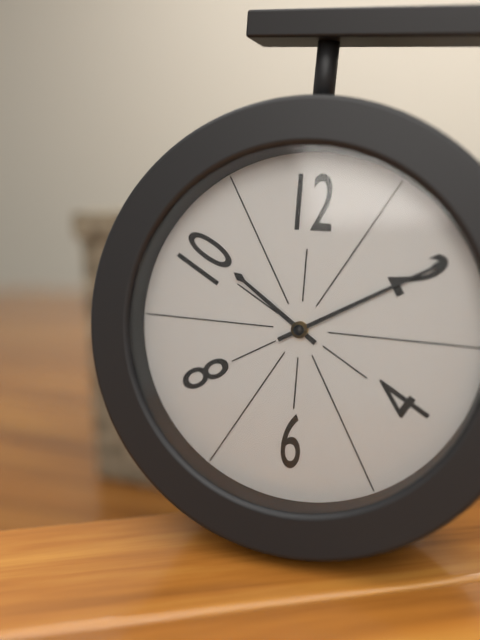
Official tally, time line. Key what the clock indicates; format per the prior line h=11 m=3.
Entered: h=10 m=10
